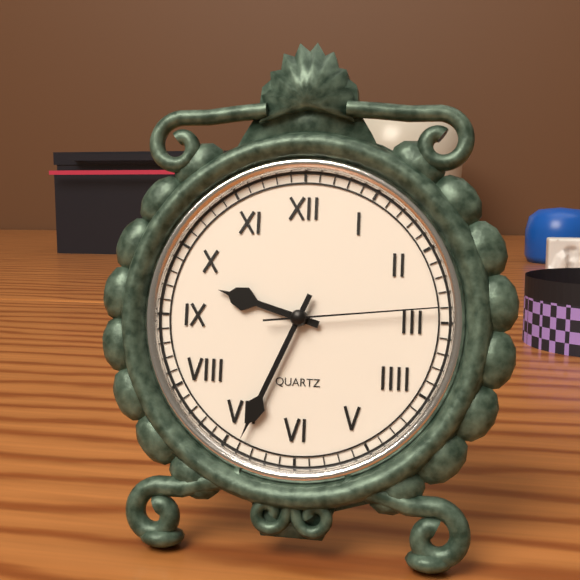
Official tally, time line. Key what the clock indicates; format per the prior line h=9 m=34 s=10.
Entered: h=9 m=34 s=14
